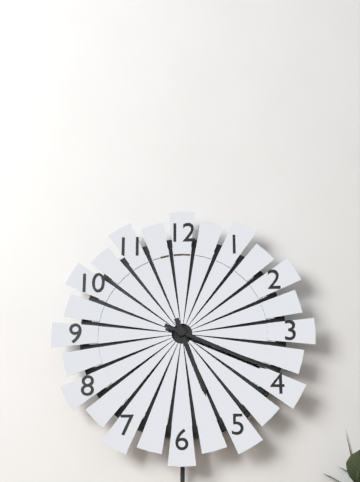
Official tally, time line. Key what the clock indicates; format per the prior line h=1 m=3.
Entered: h=5 m=19
